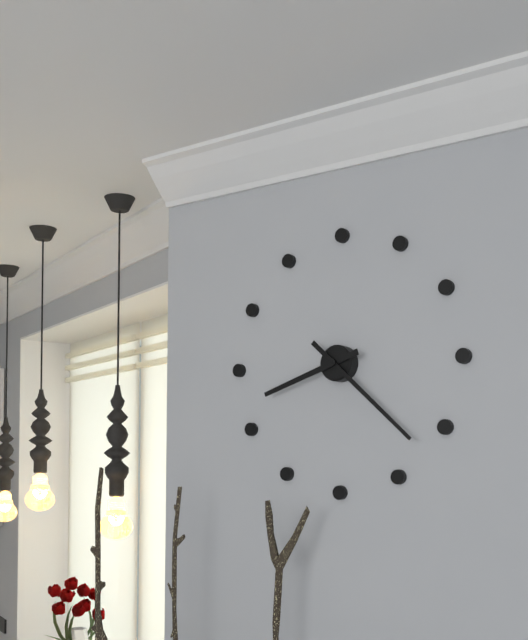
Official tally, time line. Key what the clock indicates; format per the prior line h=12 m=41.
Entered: h=8 m=22
